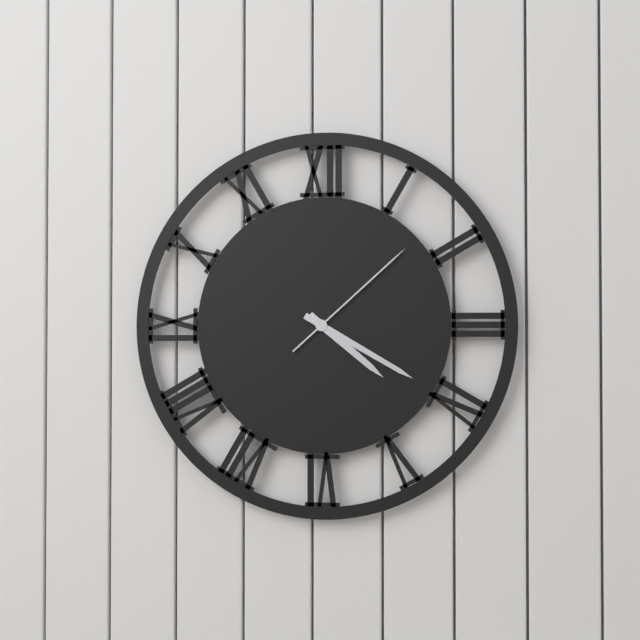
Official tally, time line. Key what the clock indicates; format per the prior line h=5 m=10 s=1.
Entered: h=4 m=20 s=8
